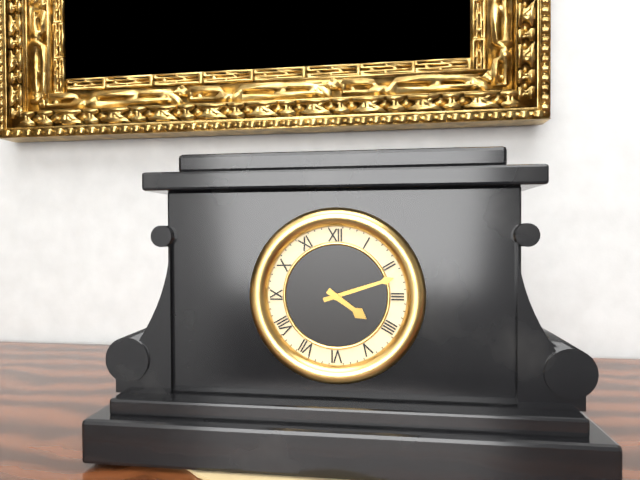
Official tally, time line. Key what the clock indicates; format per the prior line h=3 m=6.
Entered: h=4 m=12
